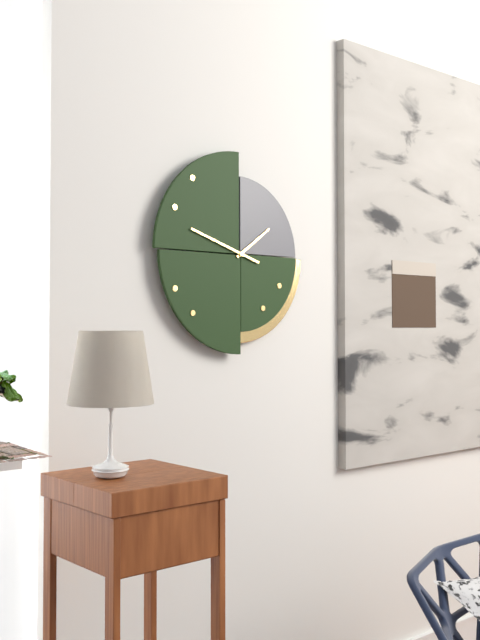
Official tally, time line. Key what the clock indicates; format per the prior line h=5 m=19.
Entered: h=1 m=48
